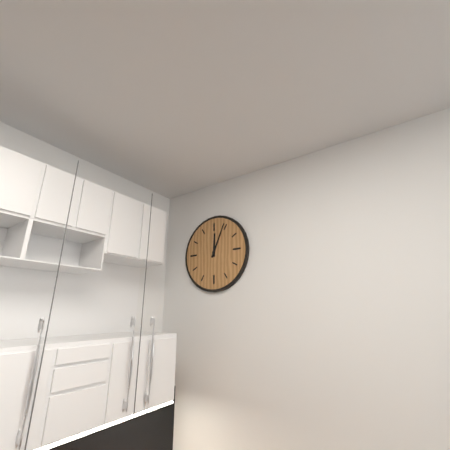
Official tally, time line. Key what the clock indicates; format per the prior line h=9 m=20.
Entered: h=12 m=4
